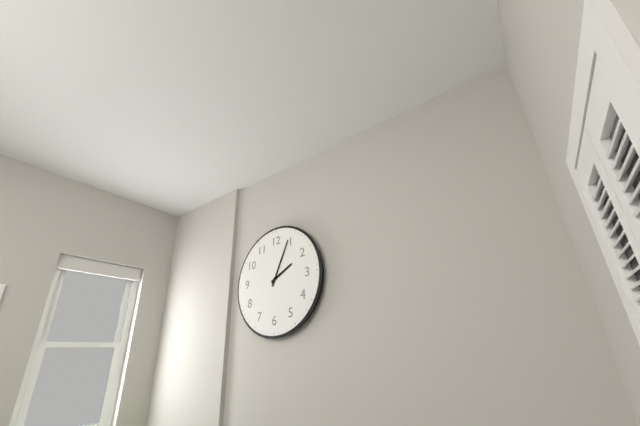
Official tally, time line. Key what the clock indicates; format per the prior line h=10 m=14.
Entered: h=2 m=4
